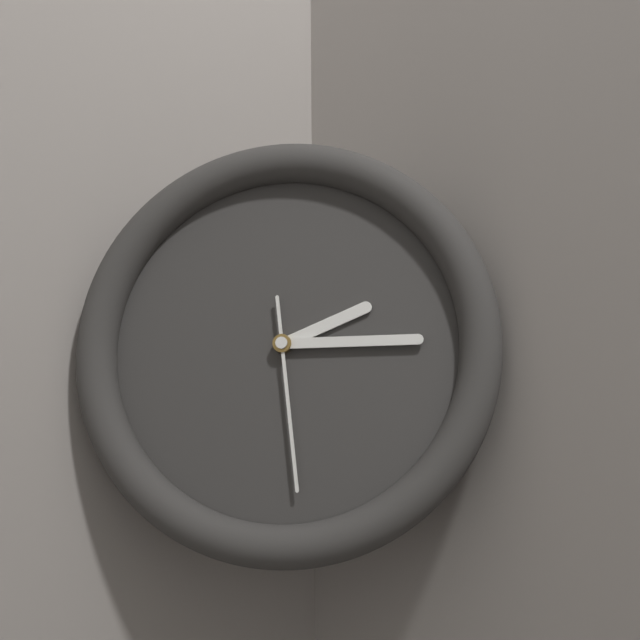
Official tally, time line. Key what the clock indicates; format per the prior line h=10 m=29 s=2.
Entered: h=2 m=15 s=29
